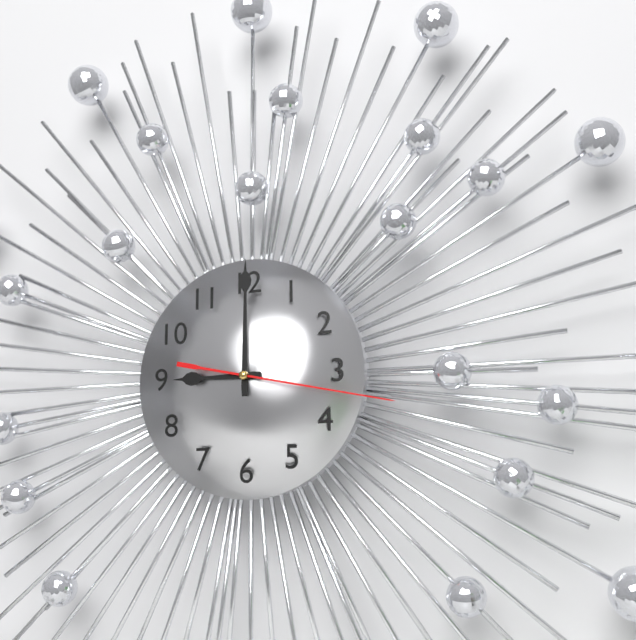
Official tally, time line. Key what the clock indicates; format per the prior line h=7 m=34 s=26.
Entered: h=9 m=0 s=17
